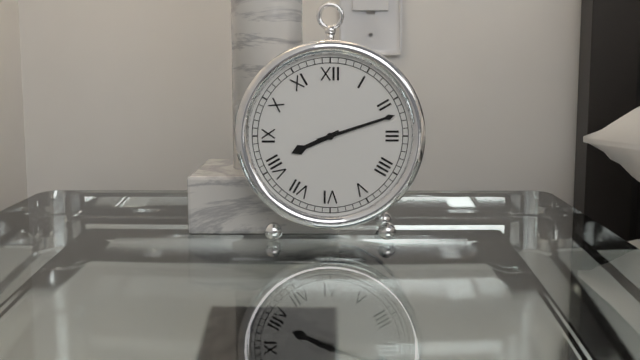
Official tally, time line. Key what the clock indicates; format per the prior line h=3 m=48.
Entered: h=8 m=12
